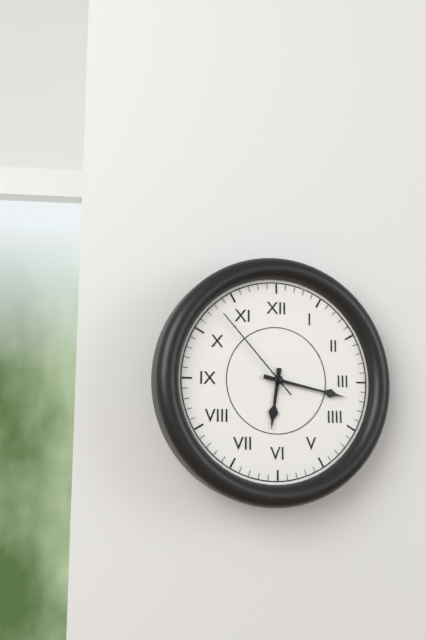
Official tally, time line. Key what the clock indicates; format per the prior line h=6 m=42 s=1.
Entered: h=6 m=17 s=53
